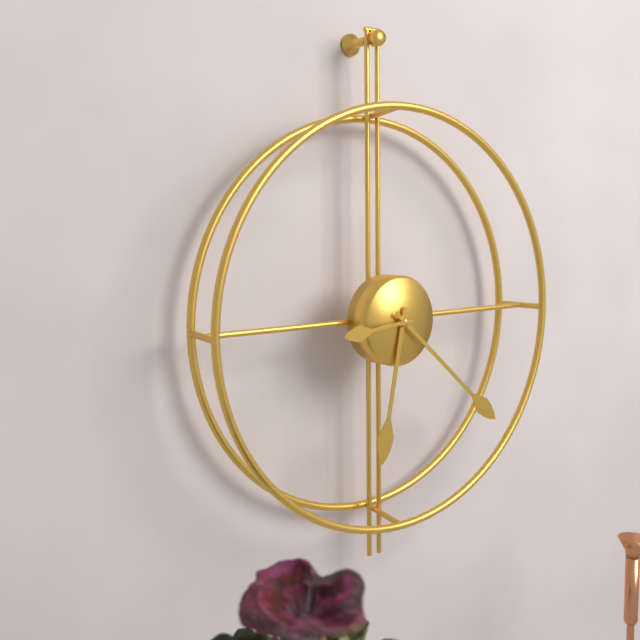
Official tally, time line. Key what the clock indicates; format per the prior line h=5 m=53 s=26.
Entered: h=6 m=22 s=44
